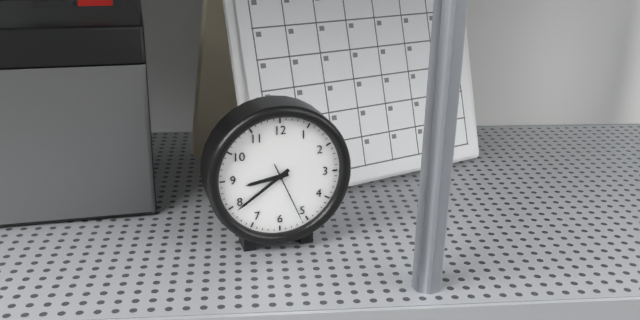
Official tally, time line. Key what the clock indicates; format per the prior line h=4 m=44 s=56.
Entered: h=8 m=39 s=26
